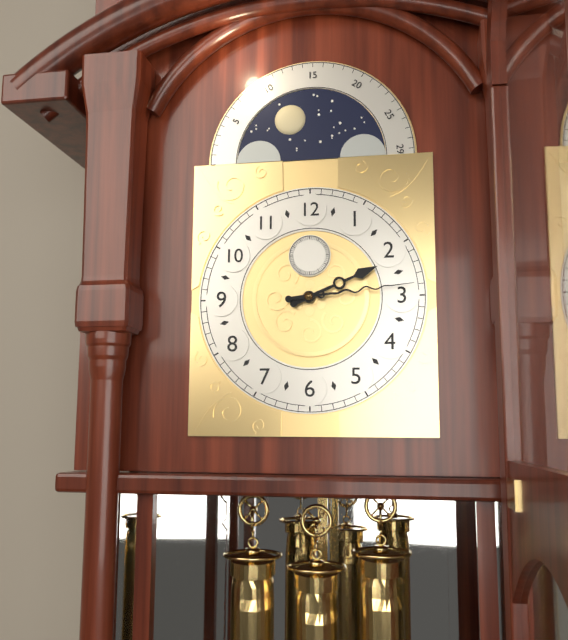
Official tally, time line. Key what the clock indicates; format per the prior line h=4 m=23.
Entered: h=2 m=14
